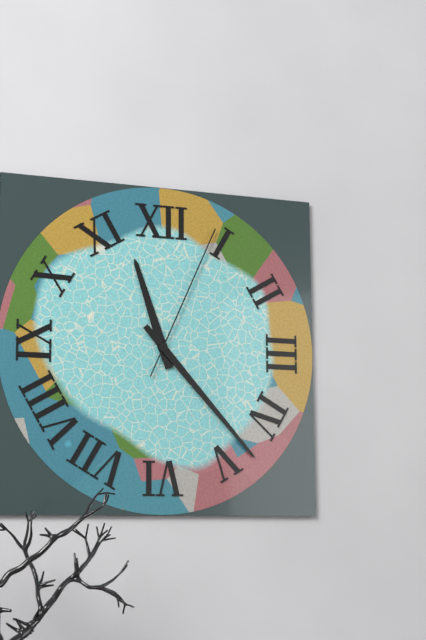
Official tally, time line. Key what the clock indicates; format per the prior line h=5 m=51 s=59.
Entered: h=11 m=23 s=4
